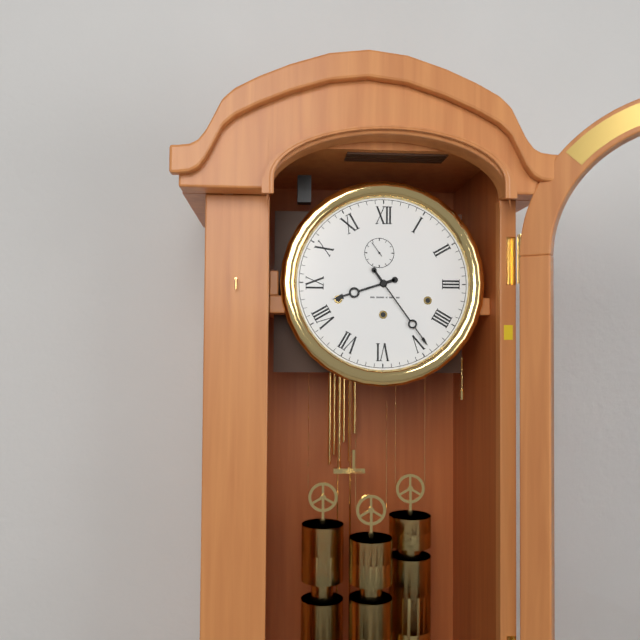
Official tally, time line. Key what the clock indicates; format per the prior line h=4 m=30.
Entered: h=8 m=24
